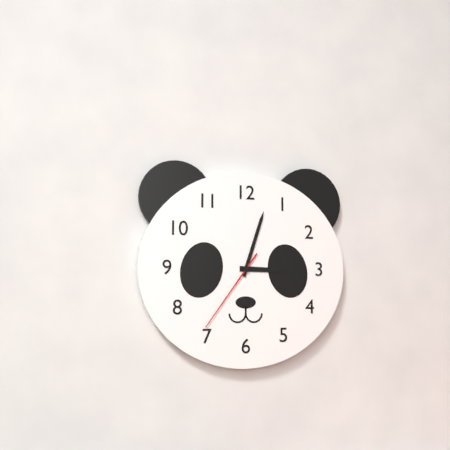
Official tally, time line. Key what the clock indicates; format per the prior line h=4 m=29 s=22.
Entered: h=3 m=3 s=36
